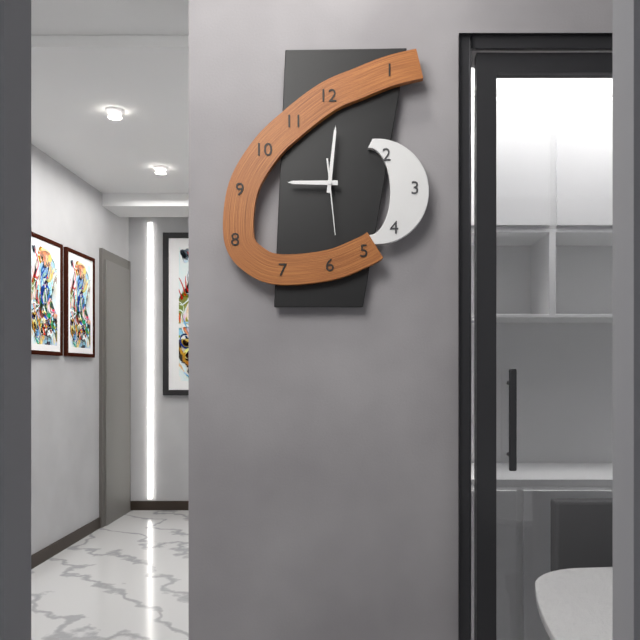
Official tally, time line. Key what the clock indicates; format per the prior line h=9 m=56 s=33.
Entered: h=9 m=1 s=29
